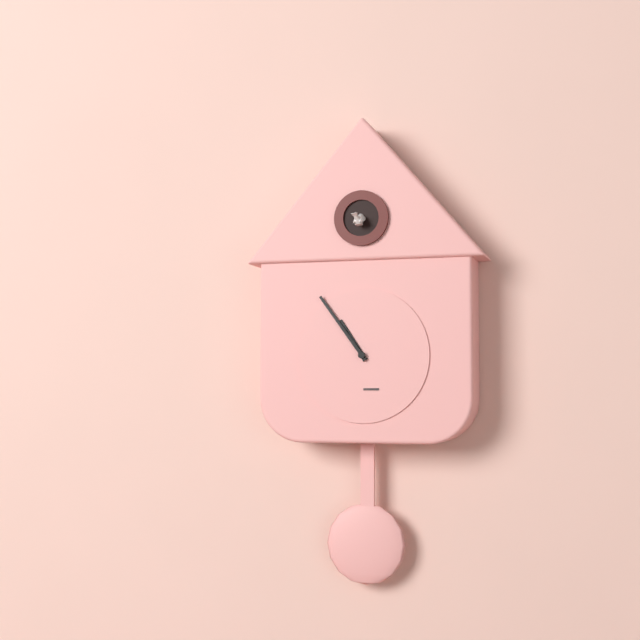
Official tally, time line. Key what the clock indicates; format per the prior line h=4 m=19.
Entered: h=10 m=54
